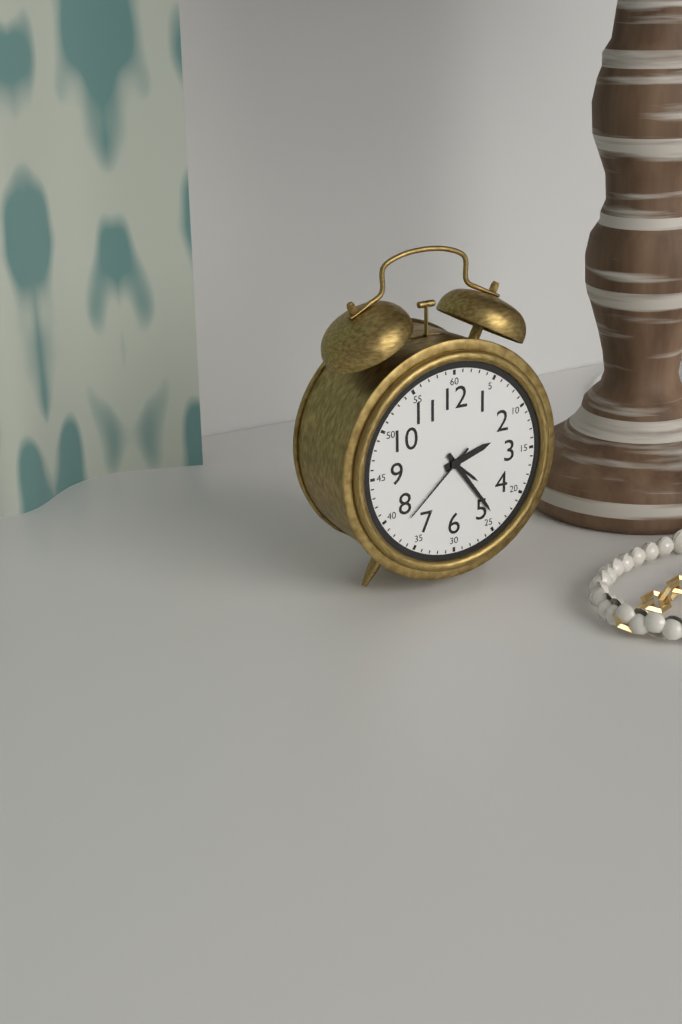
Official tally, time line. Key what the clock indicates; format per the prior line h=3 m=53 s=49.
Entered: h=2 m=24 s=38
